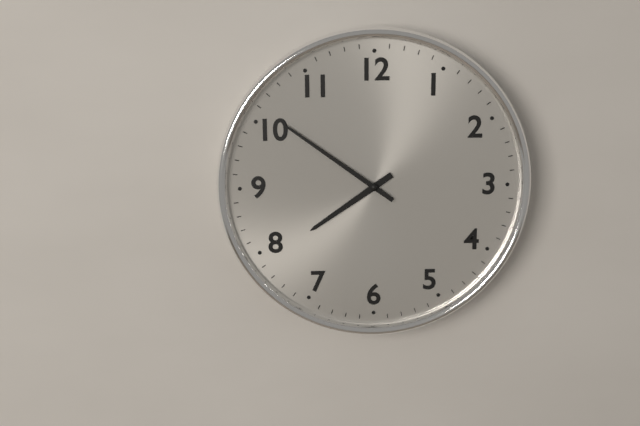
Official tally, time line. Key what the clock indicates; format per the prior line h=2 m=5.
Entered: h=7 m=51
